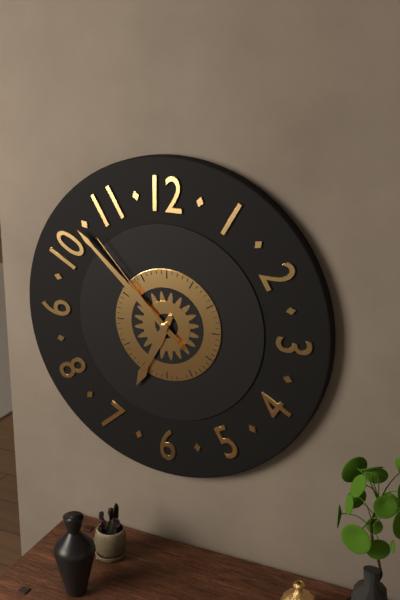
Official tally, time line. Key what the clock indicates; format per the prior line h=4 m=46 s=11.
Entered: h=6 m=52 s=53
